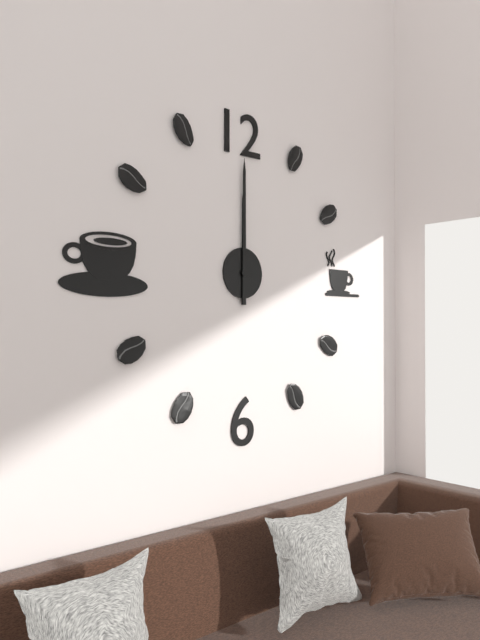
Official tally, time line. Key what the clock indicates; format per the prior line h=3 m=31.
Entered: h=12 m=0
